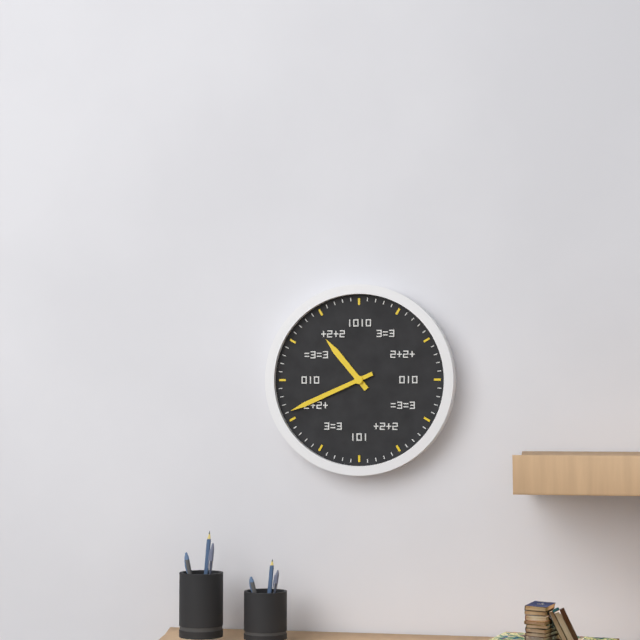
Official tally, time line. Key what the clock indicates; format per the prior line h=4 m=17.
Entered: h=10 m=41
